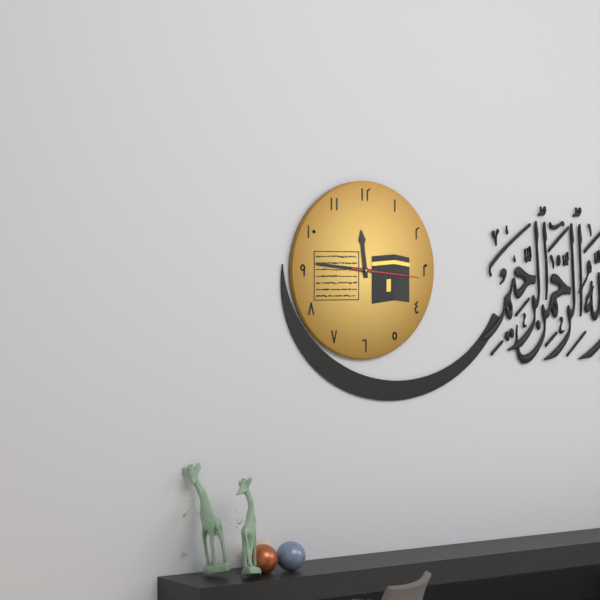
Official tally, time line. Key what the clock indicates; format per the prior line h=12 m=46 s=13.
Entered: h=11 m=46 s=16
